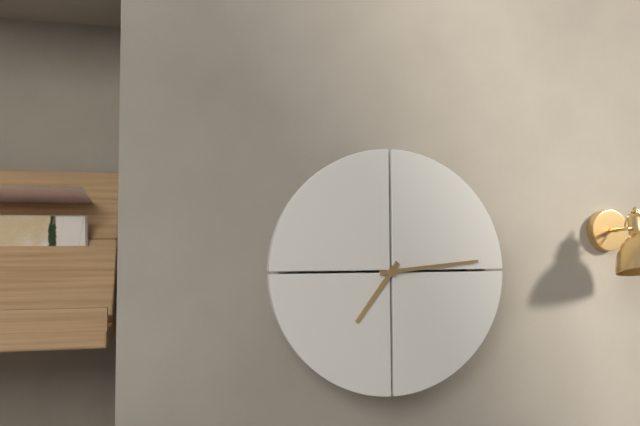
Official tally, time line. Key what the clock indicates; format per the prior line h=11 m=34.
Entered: h=7 m=14
